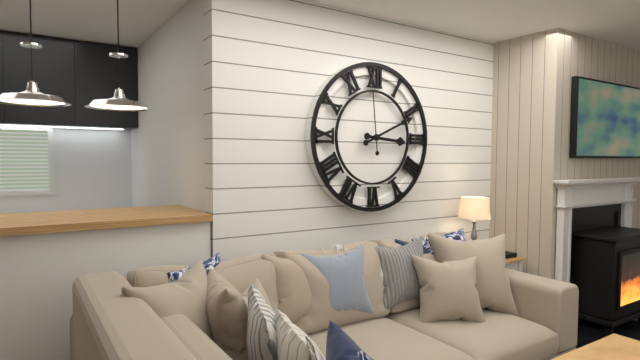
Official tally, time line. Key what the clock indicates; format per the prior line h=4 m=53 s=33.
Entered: h=3 m=11 s=59
